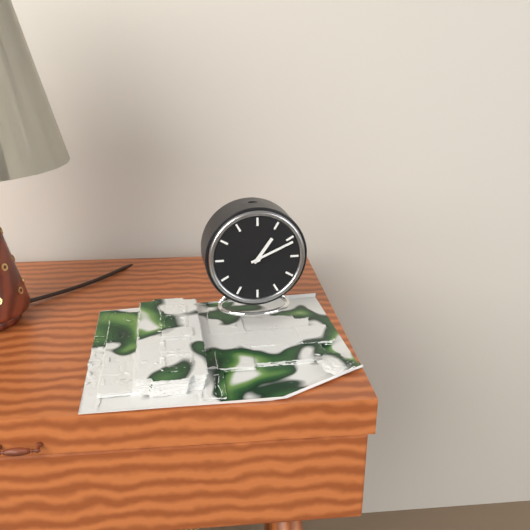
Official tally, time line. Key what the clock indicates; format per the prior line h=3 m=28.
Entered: h=1 m=11
